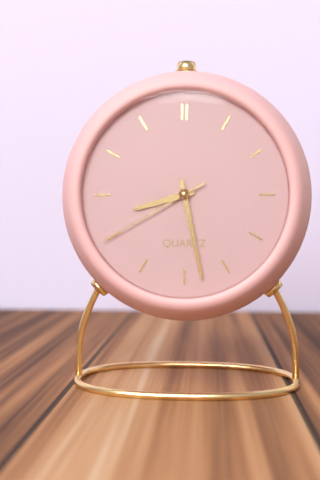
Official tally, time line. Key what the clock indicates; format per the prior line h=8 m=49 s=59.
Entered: h=8 m=28 s=40
